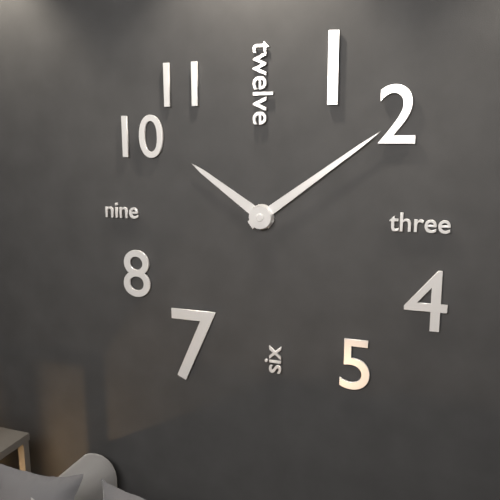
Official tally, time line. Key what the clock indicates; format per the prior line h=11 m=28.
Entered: h=10 m=9
